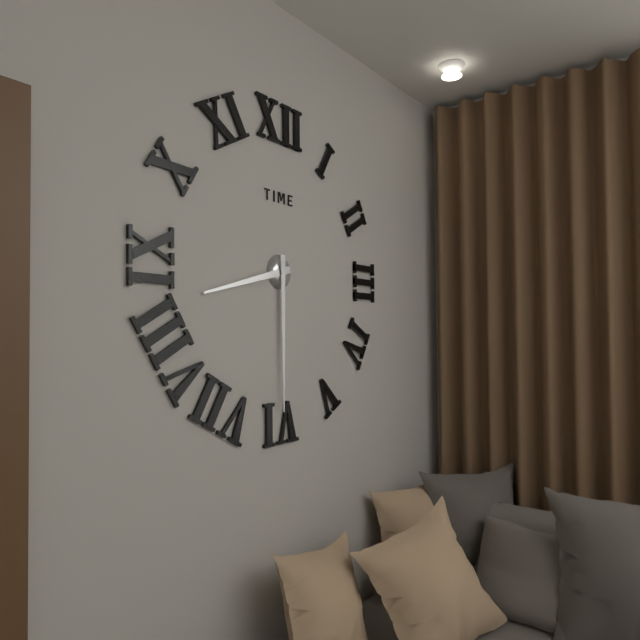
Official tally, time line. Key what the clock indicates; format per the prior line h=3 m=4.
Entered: h=8 m=30
